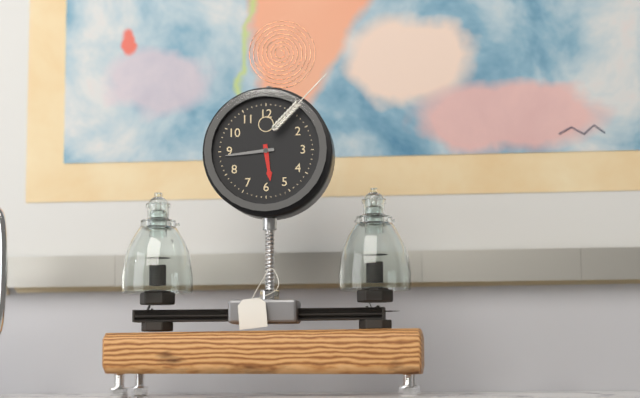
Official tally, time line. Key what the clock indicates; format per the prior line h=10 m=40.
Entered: h=5 m=44
